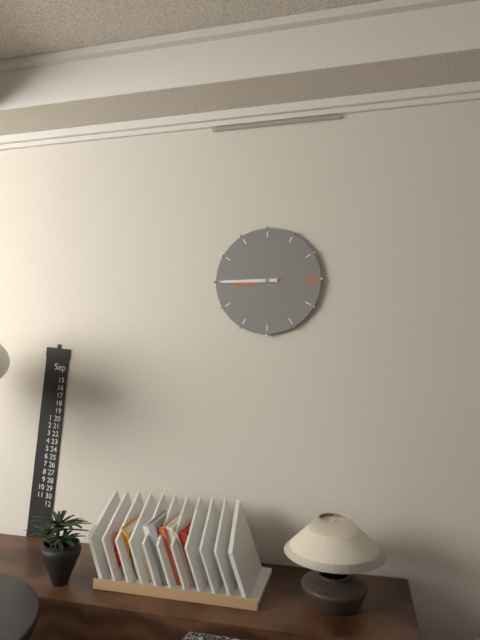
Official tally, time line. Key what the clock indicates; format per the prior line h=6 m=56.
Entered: h=8 m=45
